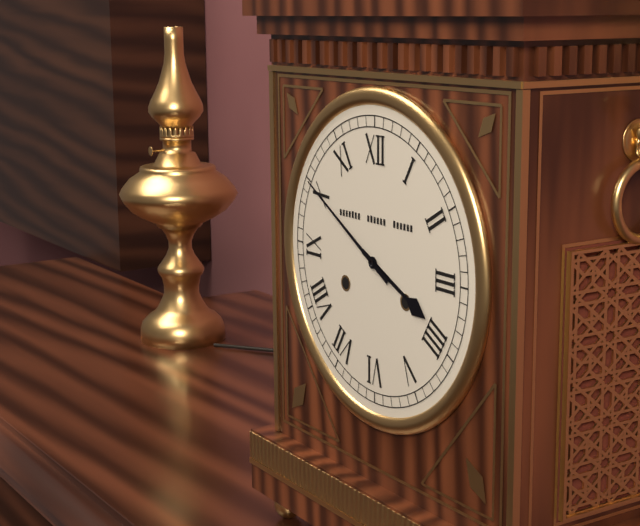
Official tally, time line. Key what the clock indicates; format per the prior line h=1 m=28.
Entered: h=3 m=50
